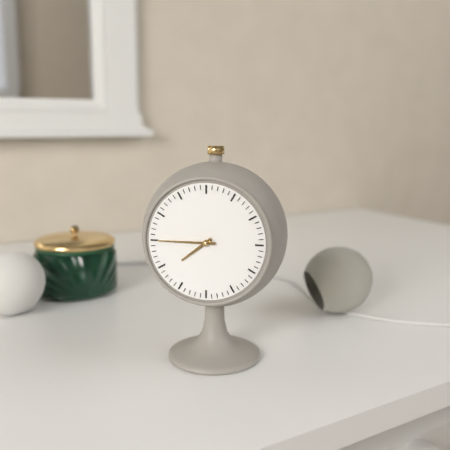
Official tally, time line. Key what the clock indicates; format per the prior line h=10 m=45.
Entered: h=7 m=45
